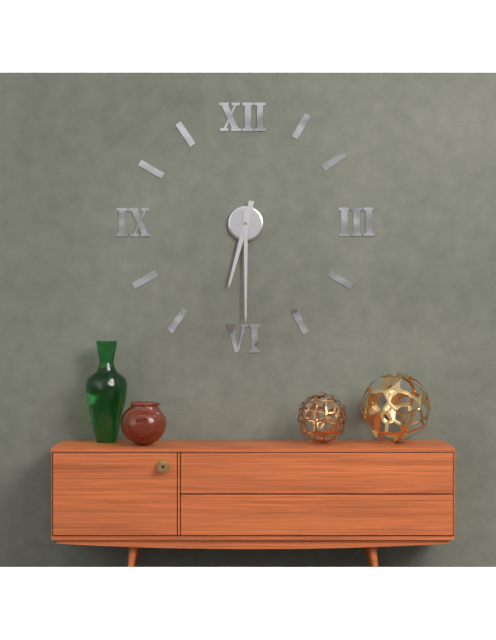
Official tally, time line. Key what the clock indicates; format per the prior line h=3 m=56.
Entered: h=6 m=30
